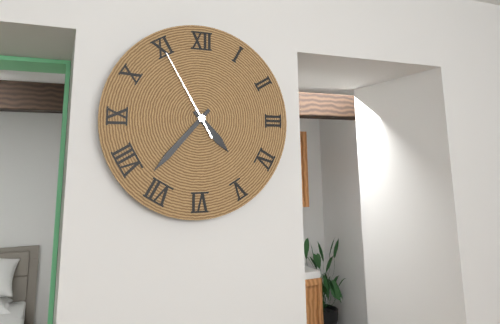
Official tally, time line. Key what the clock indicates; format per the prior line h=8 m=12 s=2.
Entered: h=4 m=37 s=55
